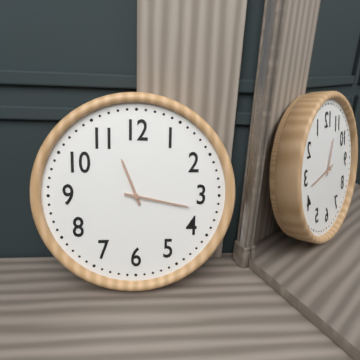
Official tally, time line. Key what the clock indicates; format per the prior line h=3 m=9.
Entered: h=11 m=17
